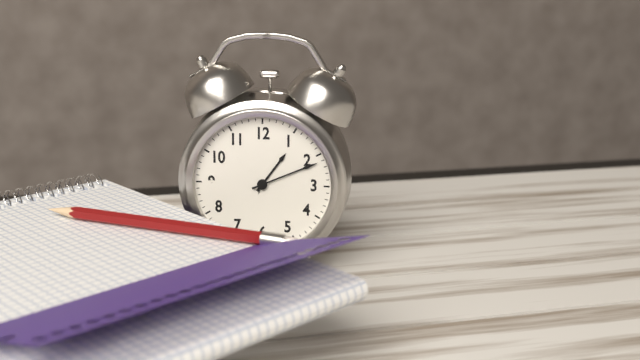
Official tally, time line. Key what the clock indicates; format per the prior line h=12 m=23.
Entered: h=1 m=11
